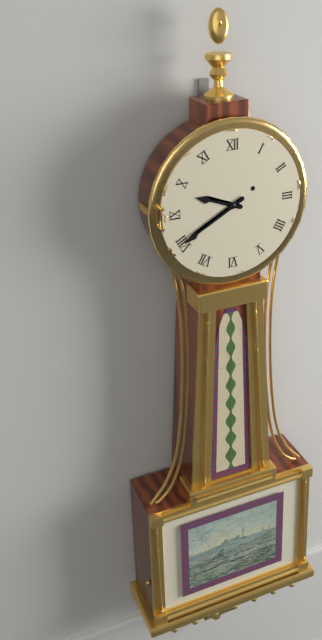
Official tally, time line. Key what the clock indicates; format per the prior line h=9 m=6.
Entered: h=9 m=40
